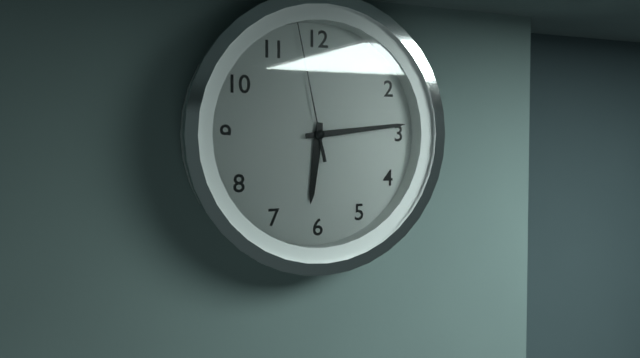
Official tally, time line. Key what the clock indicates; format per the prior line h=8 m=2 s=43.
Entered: h=6 m=14 s=58
